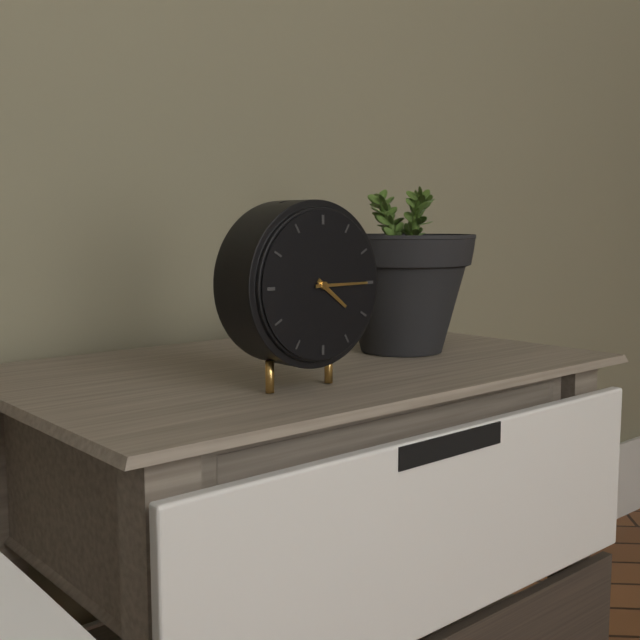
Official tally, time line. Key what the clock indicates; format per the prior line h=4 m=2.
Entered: h=4 m=15
